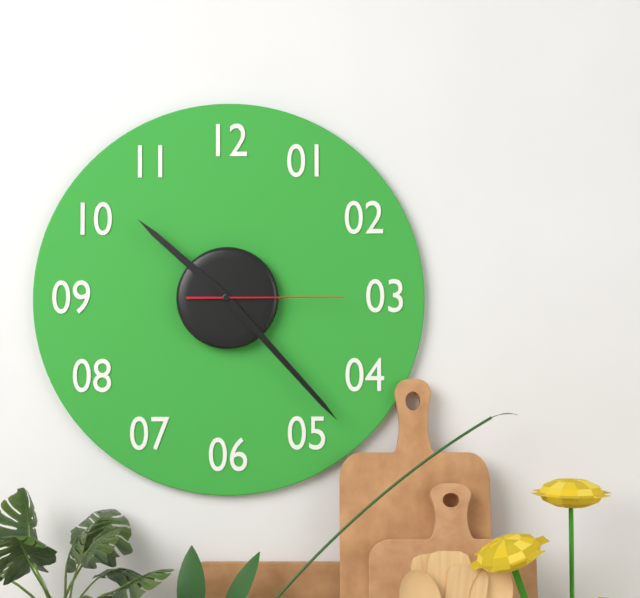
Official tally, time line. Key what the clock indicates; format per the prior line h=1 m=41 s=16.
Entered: h=10 m=23 s=15
